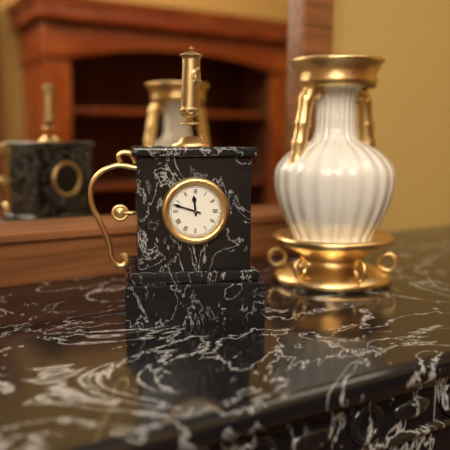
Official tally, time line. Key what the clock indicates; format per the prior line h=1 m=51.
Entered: h=11 m=48
